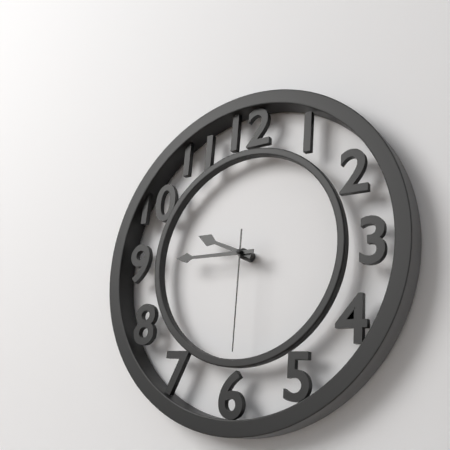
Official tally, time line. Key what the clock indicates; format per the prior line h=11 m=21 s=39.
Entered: h=9 m=45 s=30
